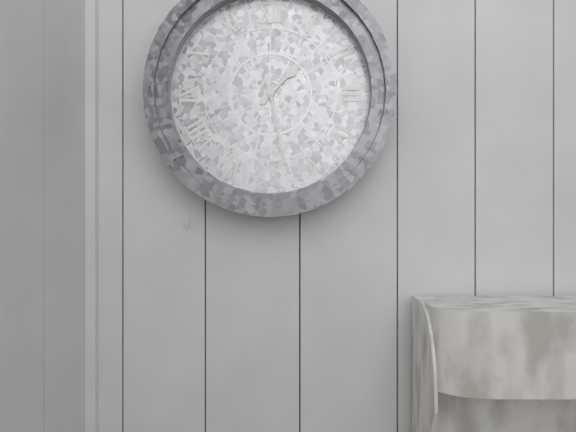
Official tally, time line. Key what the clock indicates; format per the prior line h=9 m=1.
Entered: h=1 m=28
